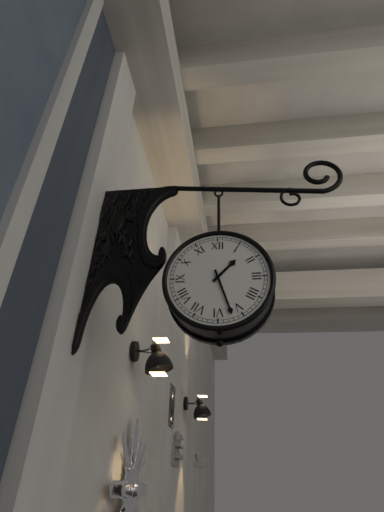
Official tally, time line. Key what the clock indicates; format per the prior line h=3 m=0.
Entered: h=1 m=27
